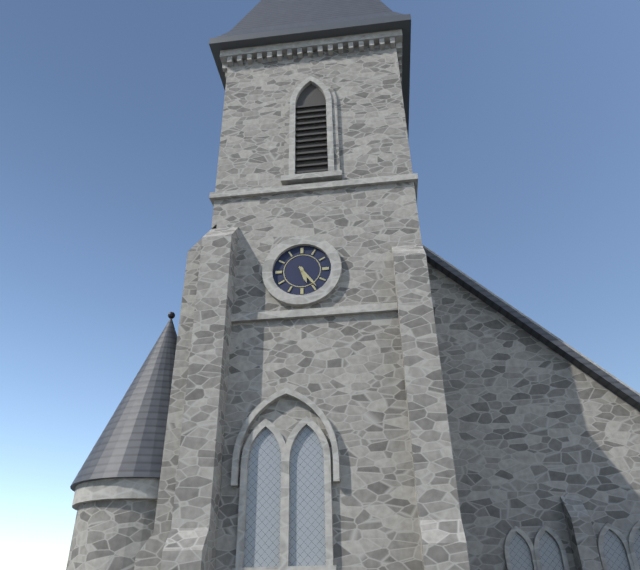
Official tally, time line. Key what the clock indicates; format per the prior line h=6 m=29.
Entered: h=5 m=24
